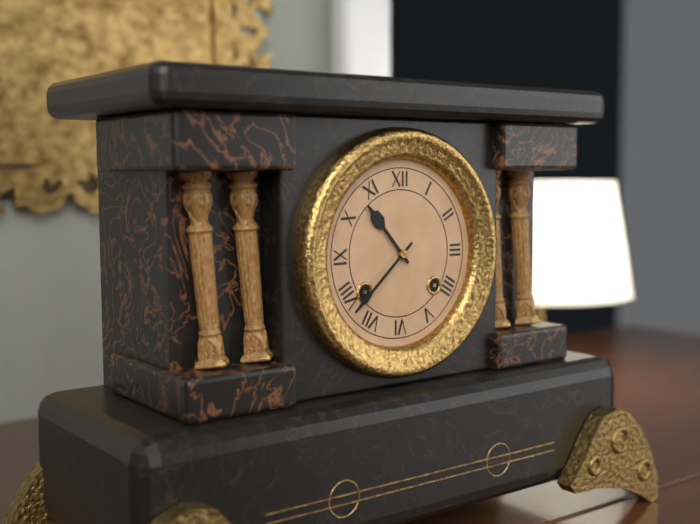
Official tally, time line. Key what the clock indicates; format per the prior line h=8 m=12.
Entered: h=10 m=38
